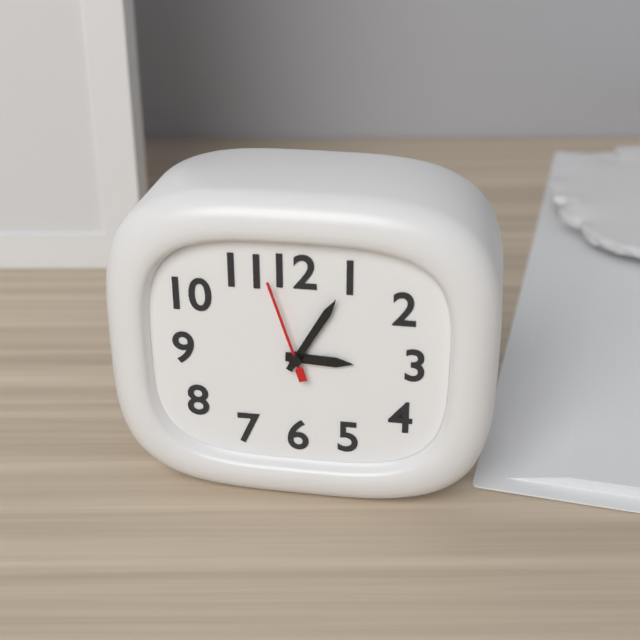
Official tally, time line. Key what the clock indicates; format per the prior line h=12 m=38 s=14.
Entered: h=3 m=5 s=57
